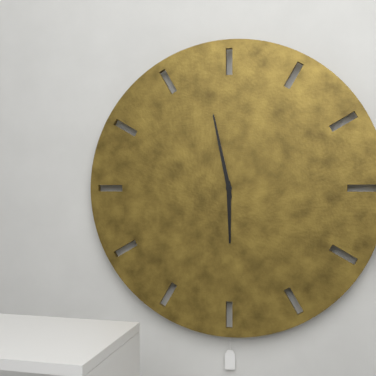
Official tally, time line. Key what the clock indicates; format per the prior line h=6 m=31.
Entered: h=5 m=58
